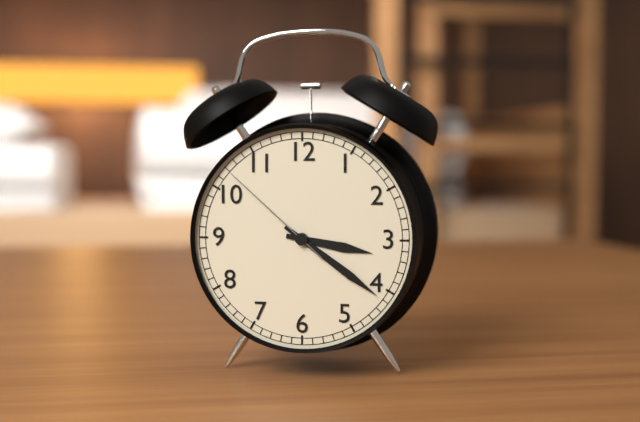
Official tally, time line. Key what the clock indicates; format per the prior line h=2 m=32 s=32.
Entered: h=3 m=21 s=52
